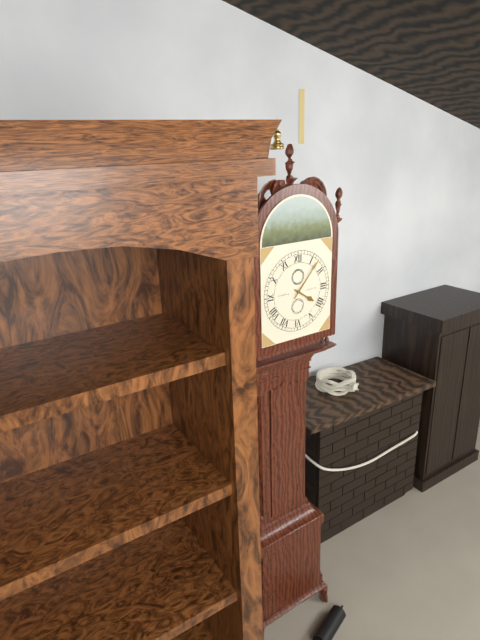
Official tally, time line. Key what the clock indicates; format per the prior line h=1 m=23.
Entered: h=4 m=7
